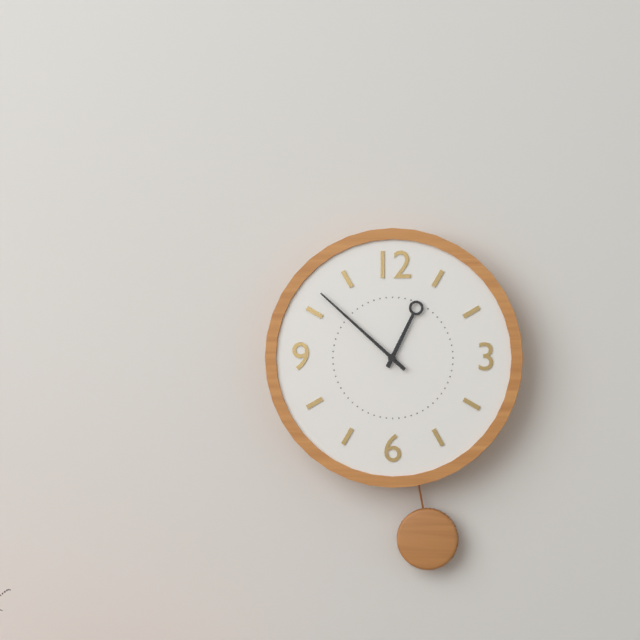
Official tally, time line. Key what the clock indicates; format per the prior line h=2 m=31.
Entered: h=12 m=52
